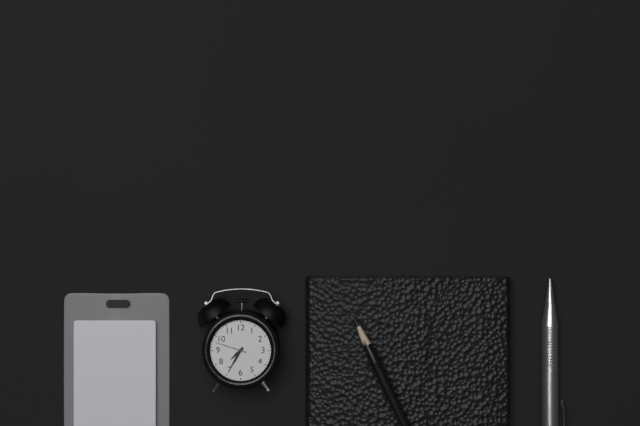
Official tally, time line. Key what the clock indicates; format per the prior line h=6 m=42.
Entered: h=7 m=35
